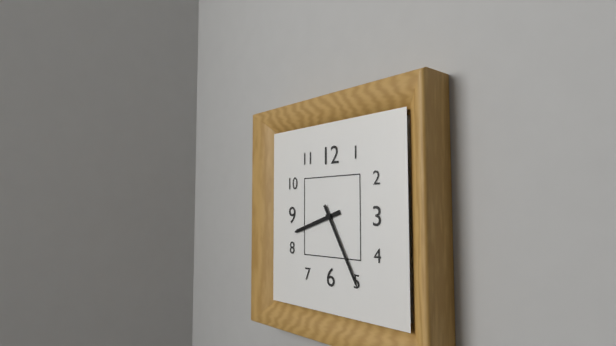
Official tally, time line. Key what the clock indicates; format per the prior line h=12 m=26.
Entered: h=8 m=25
